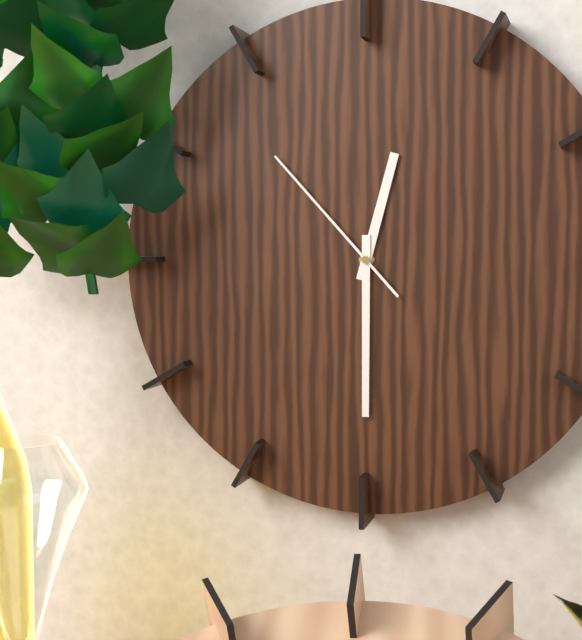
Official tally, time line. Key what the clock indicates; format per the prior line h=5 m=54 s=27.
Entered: h=12 m=30 s=53
